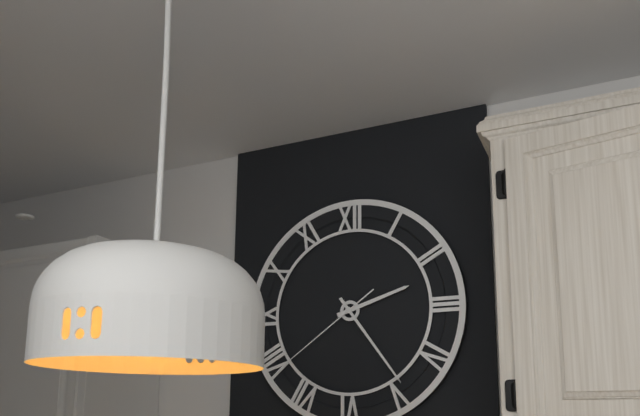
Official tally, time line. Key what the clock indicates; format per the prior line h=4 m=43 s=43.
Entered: h=2 m=24 s=39
